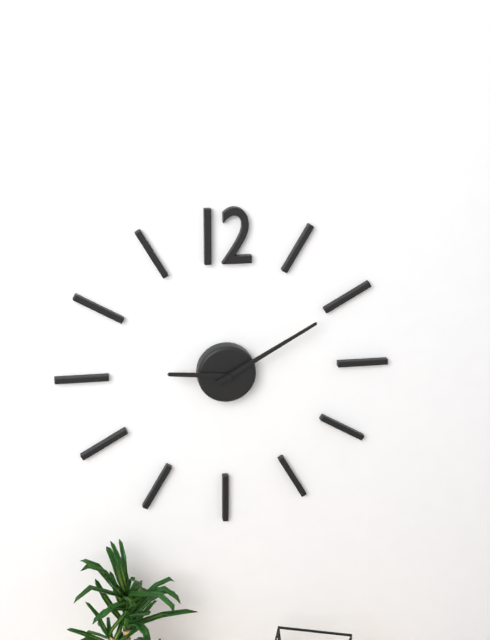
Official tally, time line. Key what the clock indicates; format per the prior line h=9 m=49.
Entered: h=9 m=10
